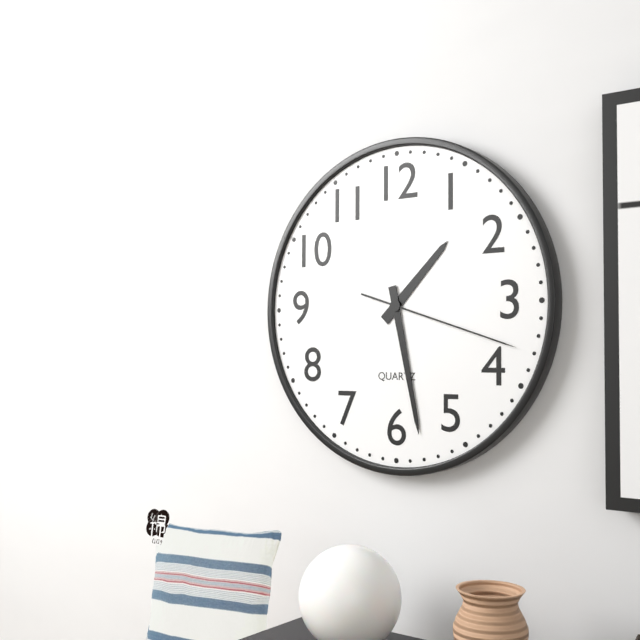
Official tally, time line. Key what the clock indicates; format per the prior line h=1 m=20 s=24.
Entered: h=1 m=28 s=18
